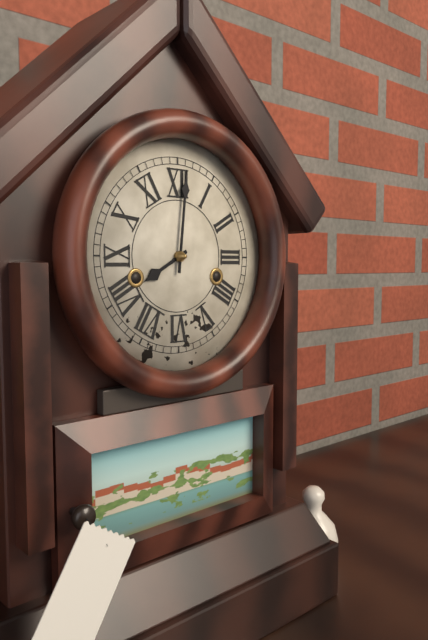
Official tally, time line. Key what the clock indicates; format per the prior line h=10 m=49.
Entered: h=8 m=1
